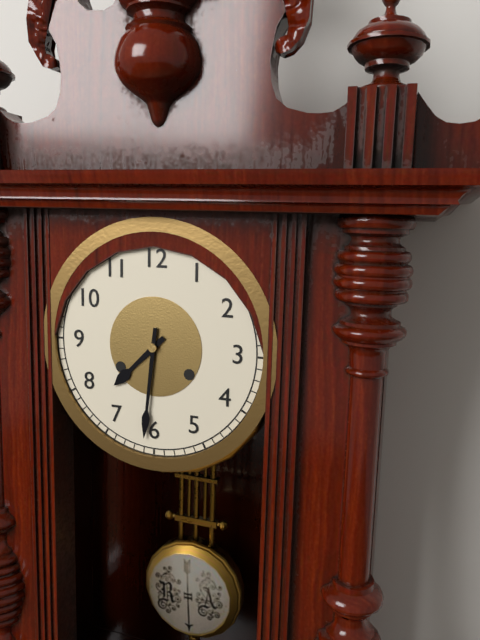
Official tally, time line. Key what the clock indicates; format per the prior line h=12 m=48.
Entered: h=7 m=31
